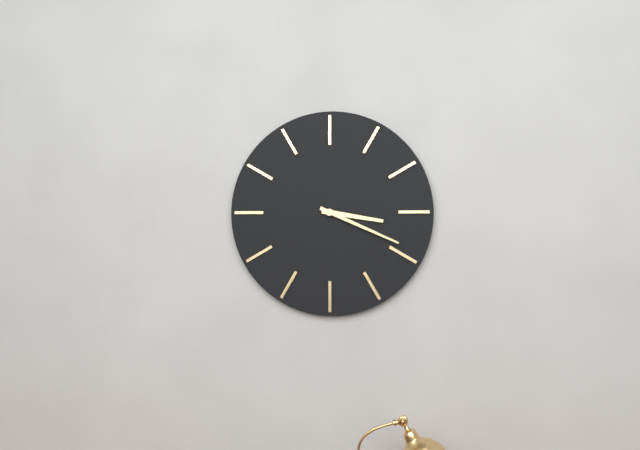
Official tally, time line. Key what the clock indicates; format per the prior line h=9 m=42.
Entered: h=3 m=19
